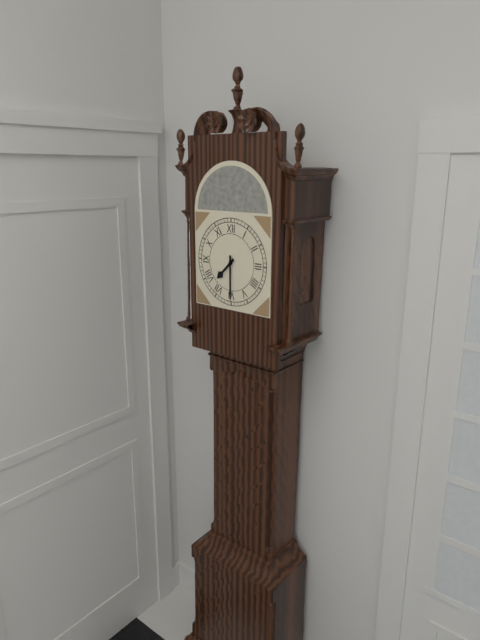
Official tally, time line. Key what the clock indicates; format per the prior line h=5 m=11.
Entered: h=7 m=30
